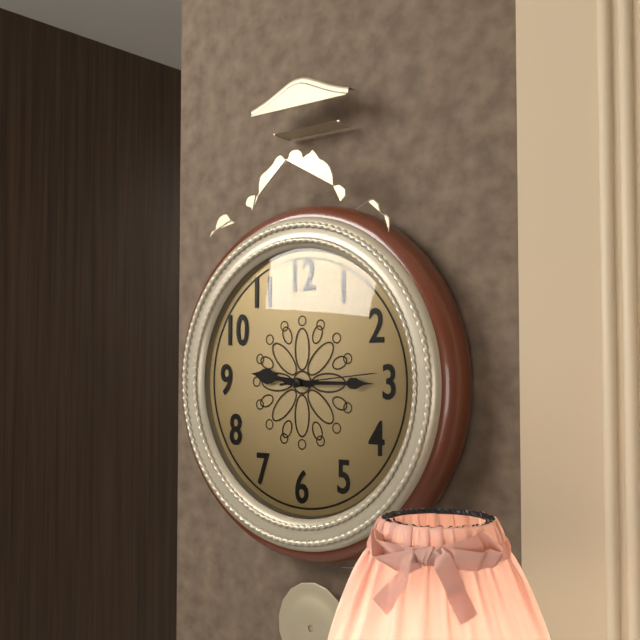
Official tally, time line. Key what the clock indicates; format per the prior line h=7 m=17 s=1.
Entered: h=9 m=15 s=14
